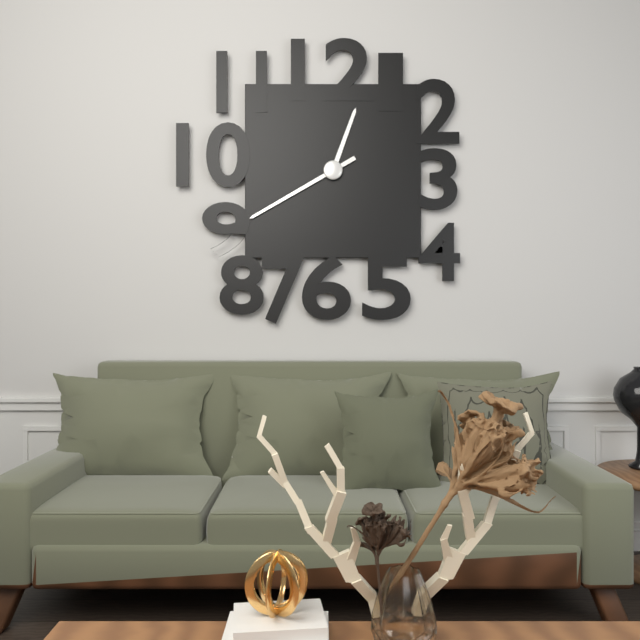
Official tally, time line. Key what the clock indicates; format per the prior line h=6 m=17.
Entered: h=12 m=40
